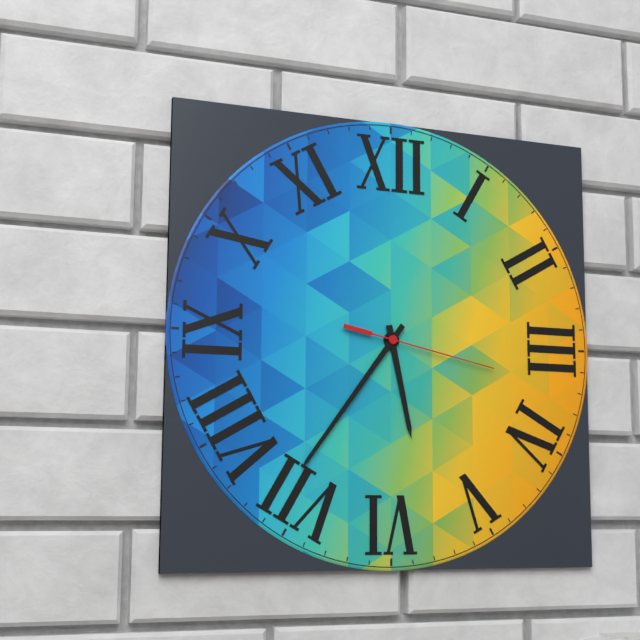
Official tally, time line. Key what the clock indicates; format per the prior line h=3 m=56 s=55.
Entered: h=5 m=36 s=17
